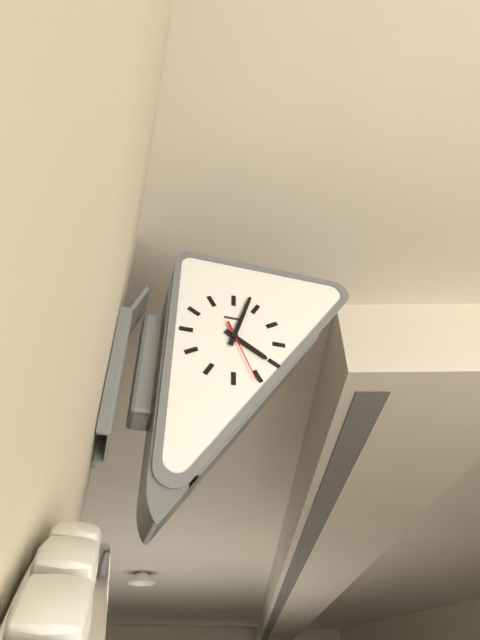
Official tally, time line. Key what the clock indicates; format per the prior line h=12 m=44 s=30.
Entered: h=4 m=3 s=26
